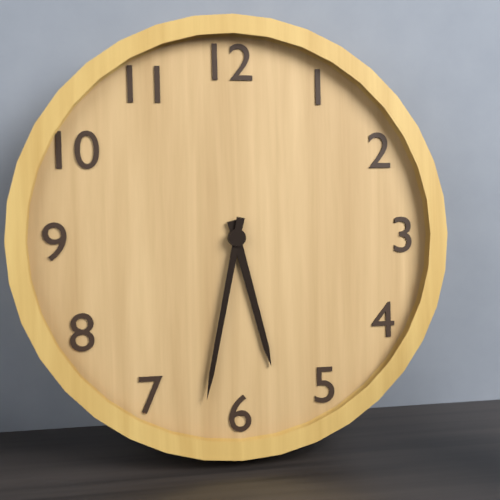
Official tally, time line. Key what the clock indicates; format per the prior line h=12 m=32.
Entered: h=5 m=32
